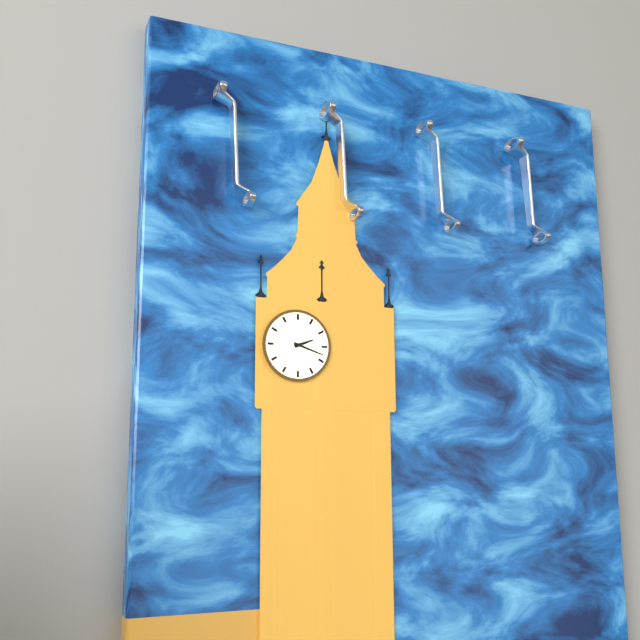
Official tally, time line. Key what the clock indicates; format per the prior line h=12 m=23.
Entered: h=2 m=18
